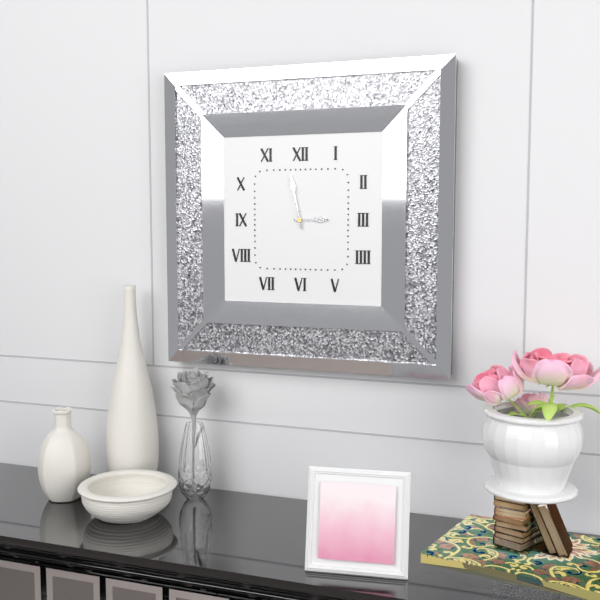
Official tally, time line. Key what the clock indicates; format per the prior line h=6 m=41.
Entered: h=2 m=58
